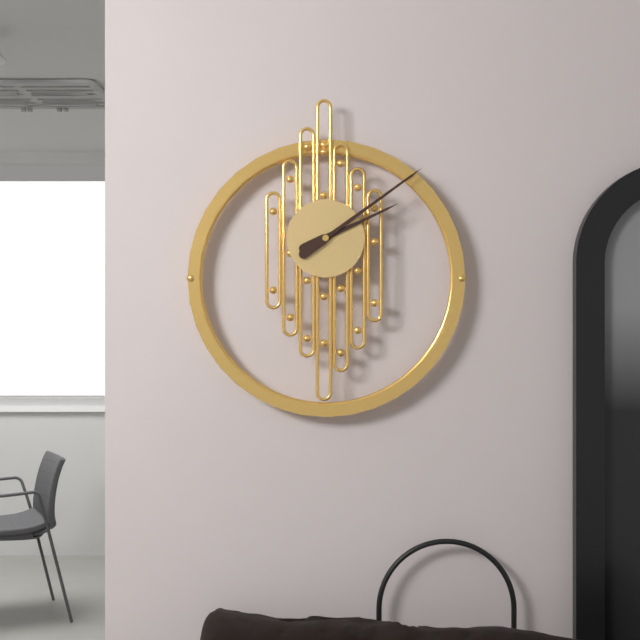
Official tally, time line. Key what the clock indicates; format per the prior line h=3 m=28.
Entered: h=2 m=9
